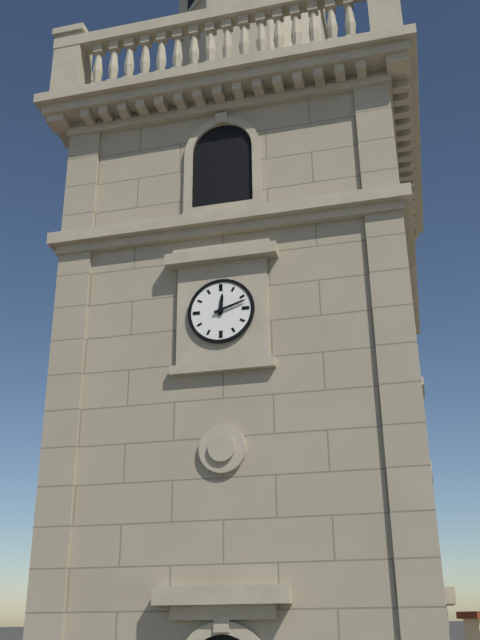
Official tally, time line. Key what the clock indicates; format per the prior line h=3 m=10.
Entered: h=12 m=12
